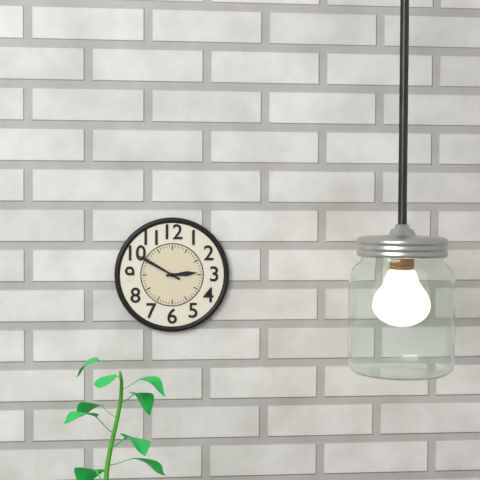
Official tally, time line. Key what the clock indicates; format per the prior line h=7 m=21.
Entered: h=2 m=50
